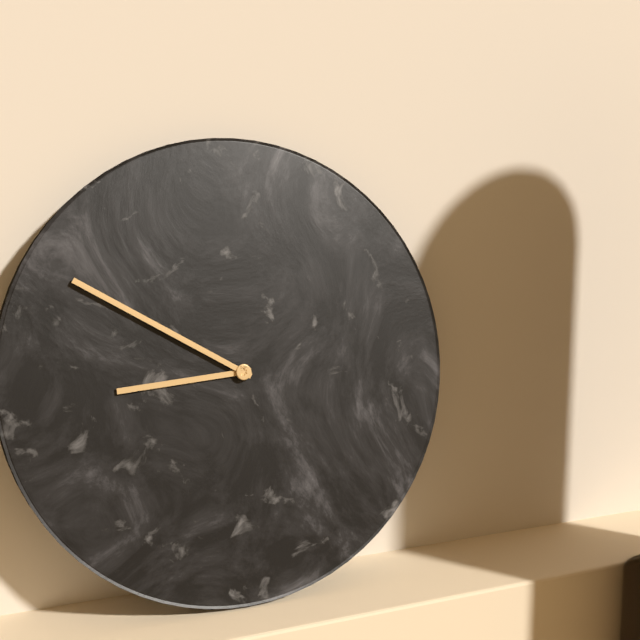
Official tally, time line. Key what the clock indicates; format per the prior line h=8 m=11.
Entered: h=8 m=50
